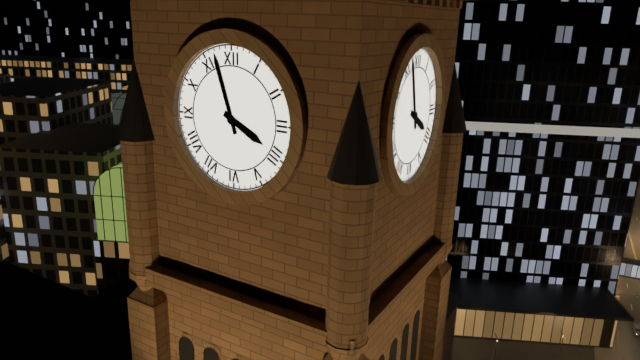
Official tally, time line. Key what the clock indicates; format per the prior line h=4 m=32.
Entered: h=3 m=57
